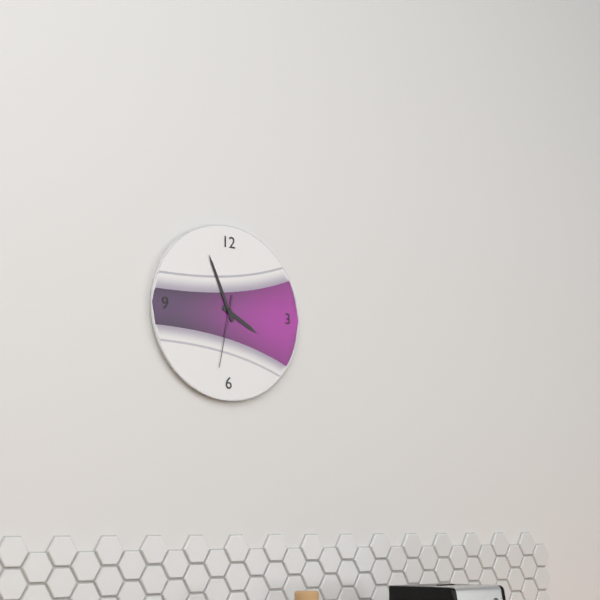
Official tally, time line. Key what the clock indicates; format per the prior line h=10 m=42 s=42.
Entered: h=3 m=56 s=32
